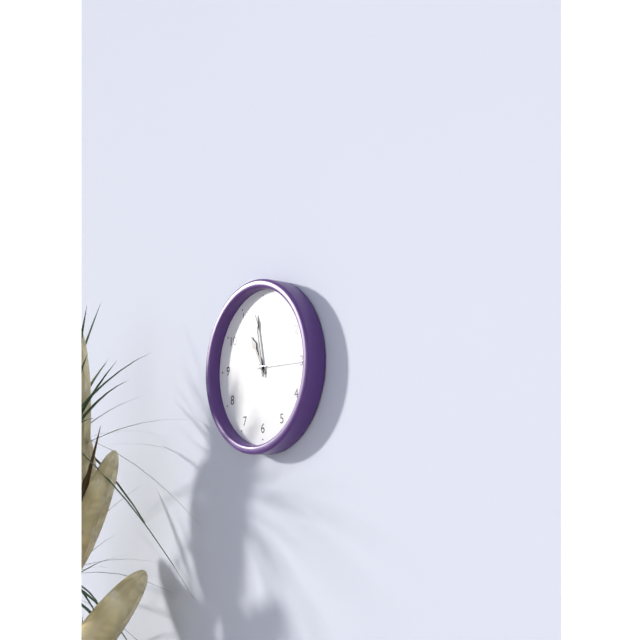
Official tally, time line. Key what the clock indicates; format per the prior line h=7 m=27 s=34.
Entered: h=10 m=58 s=15
